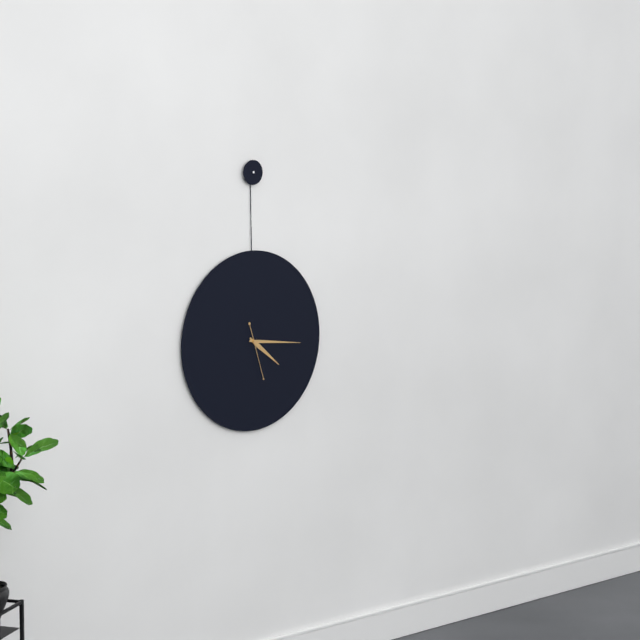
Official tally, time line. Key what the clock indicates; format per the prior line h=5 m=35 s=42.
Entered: h=4 m=16 s=27
